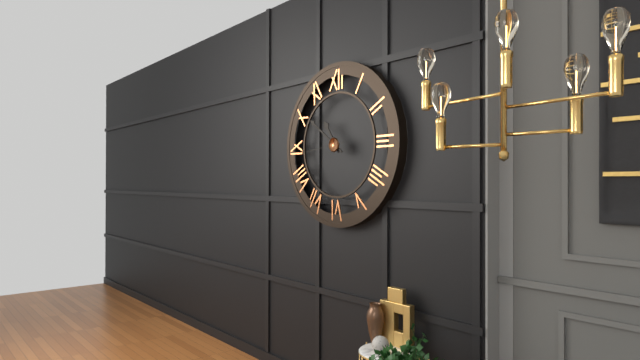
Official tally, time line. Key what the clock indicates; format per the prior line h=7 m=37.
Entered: h=10 m=51
